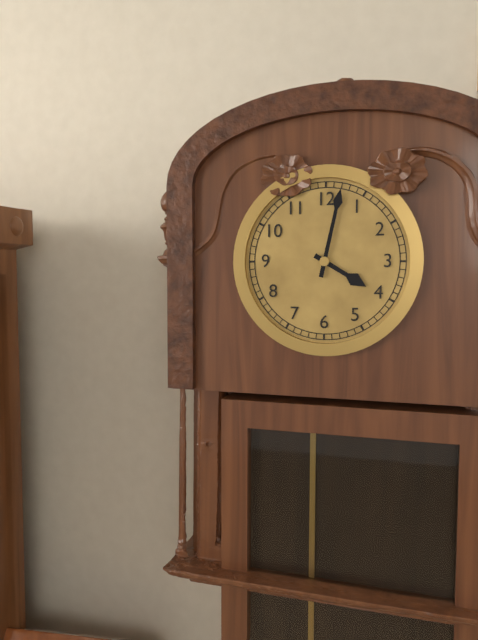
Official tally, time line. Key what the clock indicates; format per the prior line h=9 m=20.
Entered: h=4 m=2
